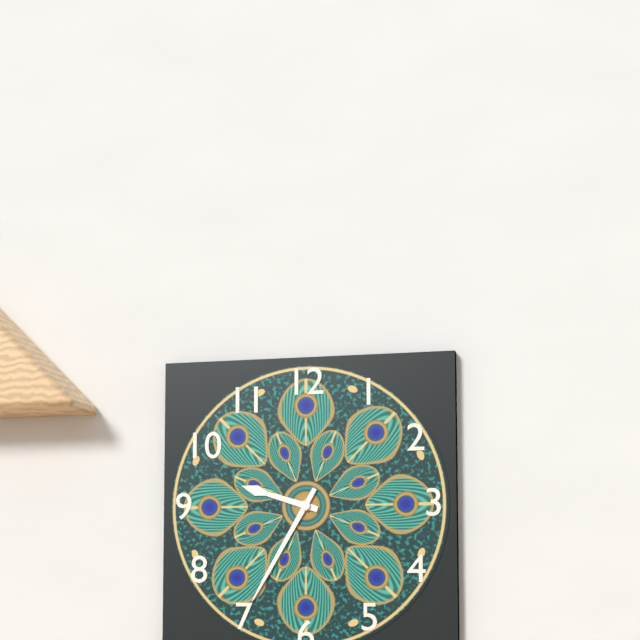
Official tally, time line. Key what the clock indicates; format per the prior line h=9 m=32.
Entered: h=9 m=35
